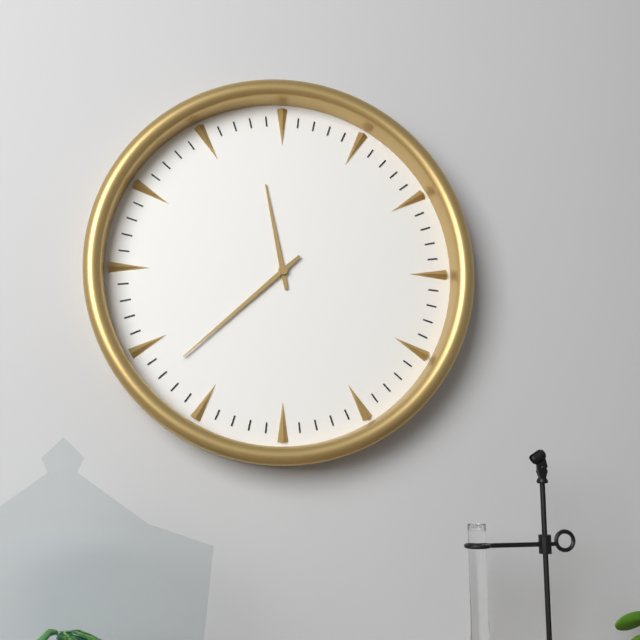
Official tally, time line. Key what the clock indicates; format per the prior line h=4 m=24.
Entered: h=11 m=38
